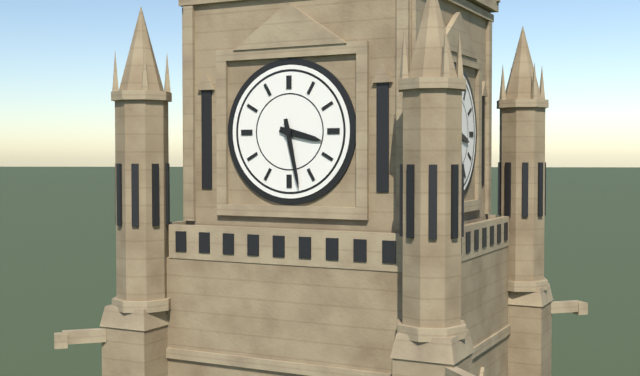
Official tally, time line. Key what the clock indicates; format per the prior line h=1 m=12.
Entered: h=3 m=28
